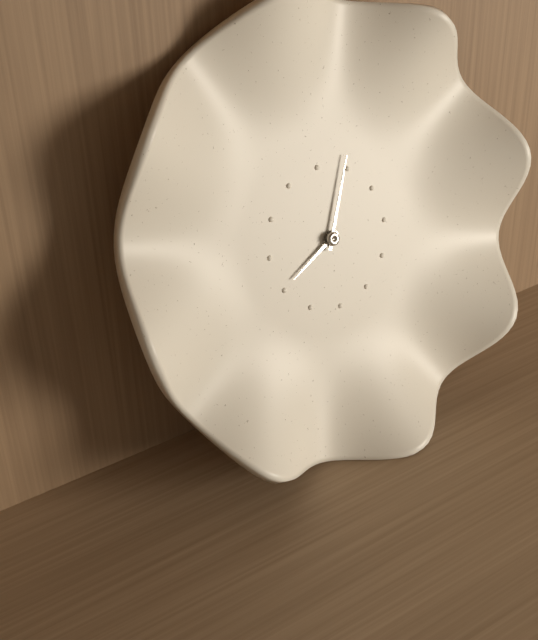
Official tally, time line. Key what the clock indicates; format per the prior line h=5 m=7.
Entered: h=8 m=4
